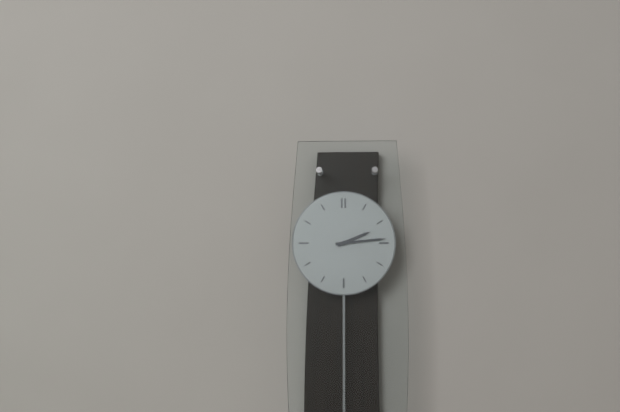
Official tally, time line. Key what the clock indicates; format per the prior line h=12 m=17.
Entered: h=2 m=14
